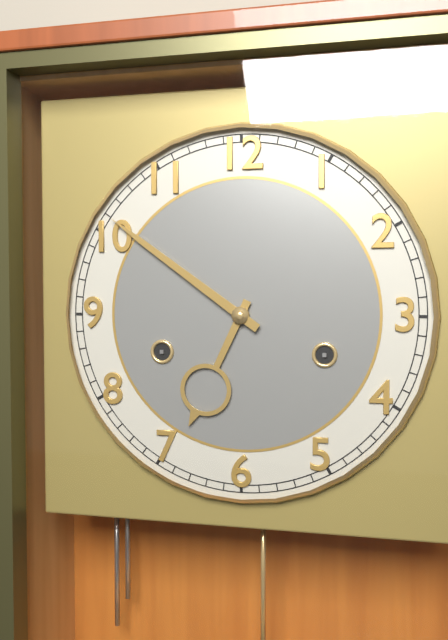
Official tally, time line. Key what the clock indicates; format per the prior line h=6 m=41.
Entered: h=6 m=51
